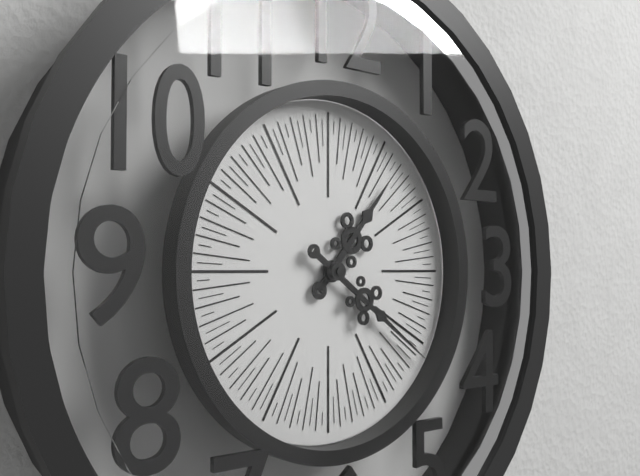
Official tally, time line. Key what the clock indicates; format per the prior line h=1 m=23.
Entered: h=1 m=21
